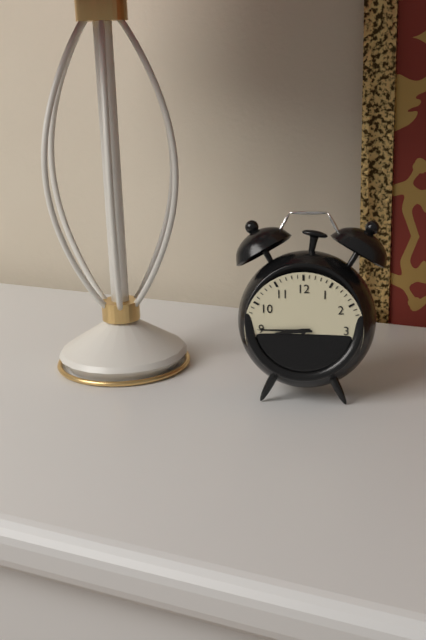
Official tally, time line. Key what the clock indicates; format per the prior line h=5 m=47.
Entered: h=8 m=45
